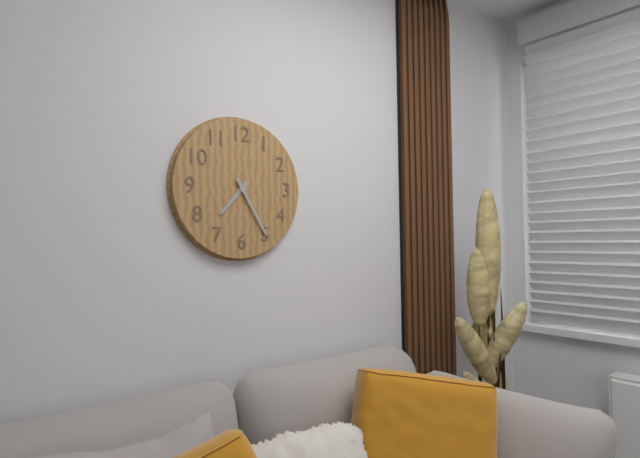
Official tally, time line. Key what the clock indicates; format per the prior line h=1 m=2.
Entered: h=7 m=25
